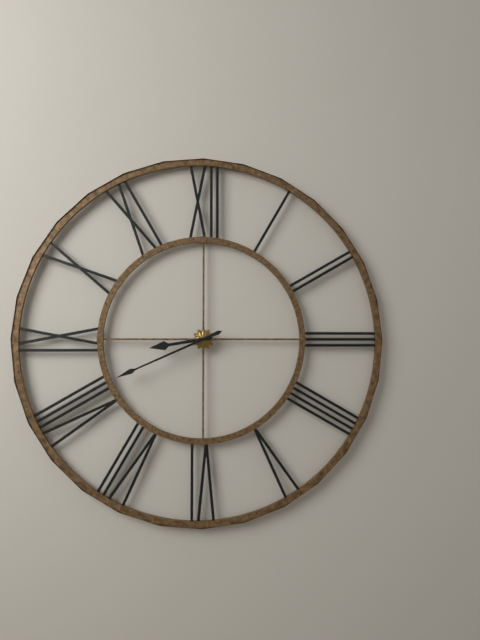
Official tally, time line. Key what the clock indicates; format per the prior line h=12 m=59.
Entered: h=8 m=41
